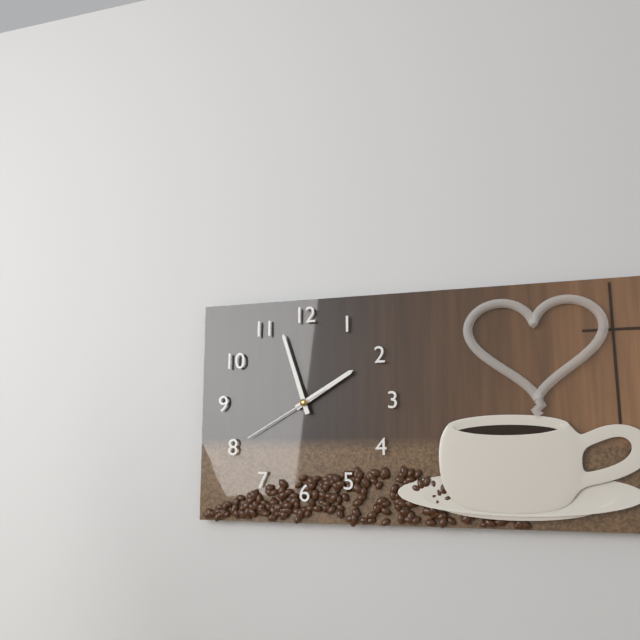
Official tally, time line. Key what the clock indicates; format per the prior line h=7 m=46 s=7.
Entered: h=1 m=57 s=40
